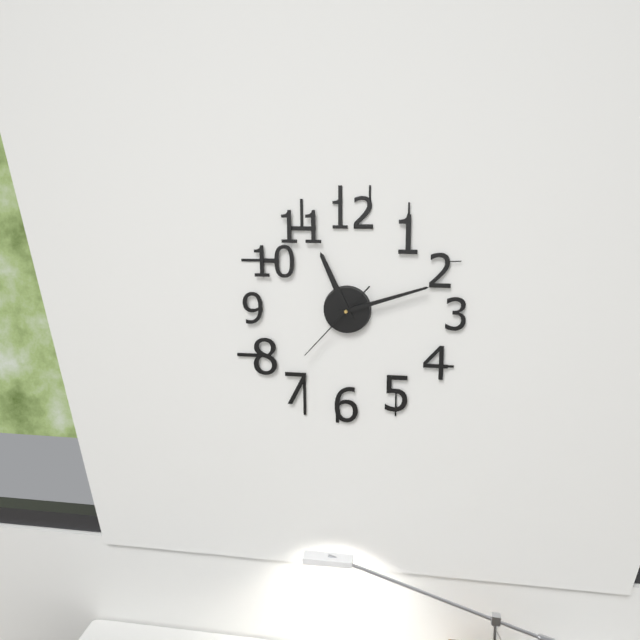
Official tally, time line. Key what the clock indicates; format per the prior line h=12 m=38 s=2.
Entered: h=11 m=12 s=37
